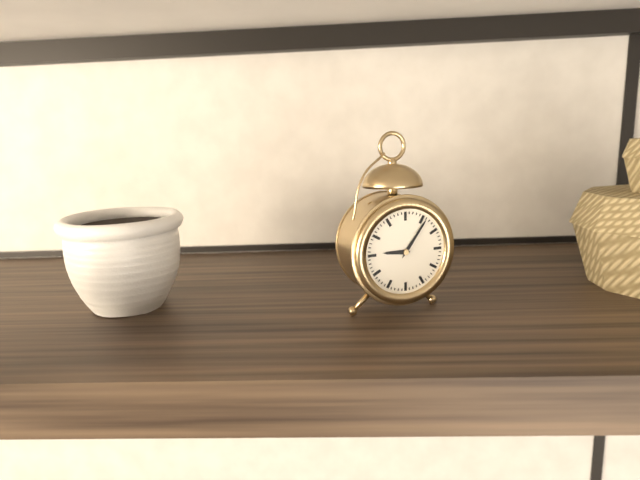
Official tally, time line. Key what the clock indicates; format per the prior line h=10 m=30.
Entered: h=9 m=6
